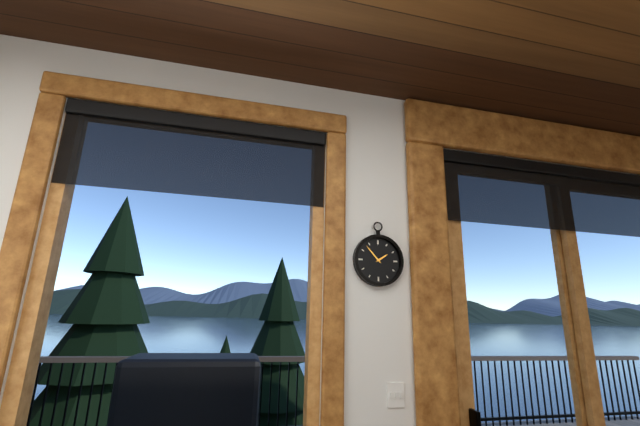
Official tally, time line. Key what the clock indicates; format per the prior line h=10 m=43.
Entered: h=1 m=53
